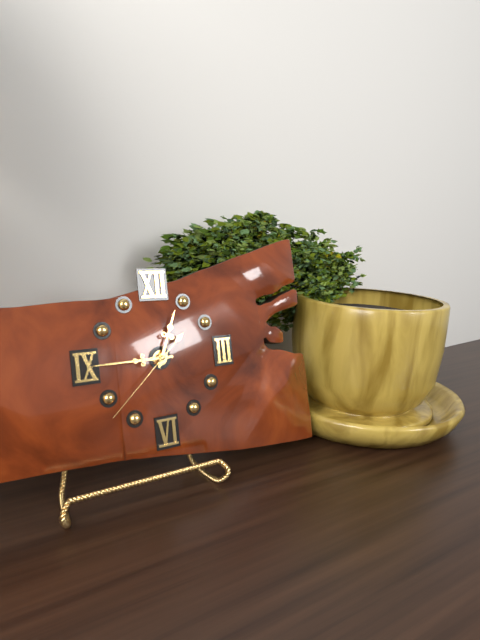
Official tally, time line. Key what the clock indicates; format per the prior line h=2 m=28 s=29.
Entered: h=12 m=45 s=38
